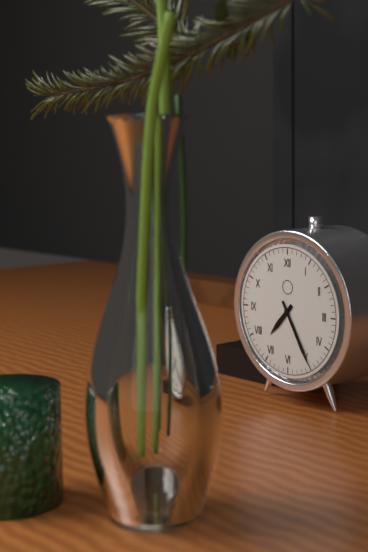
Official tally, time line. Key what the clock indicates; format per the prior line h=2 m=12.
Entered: h=7 m=25
